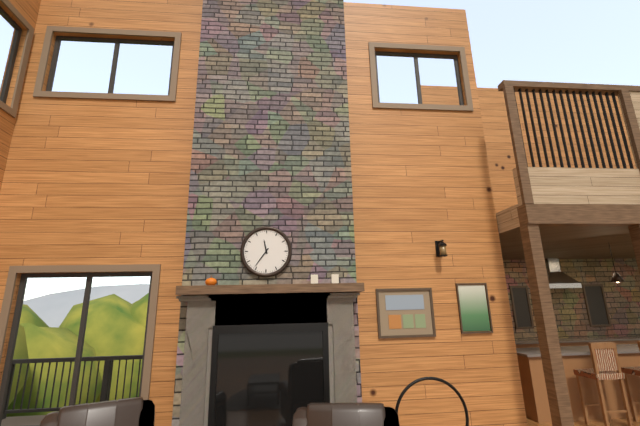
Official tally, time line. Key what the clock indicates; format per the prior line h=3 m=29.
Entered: h=11 m=36
